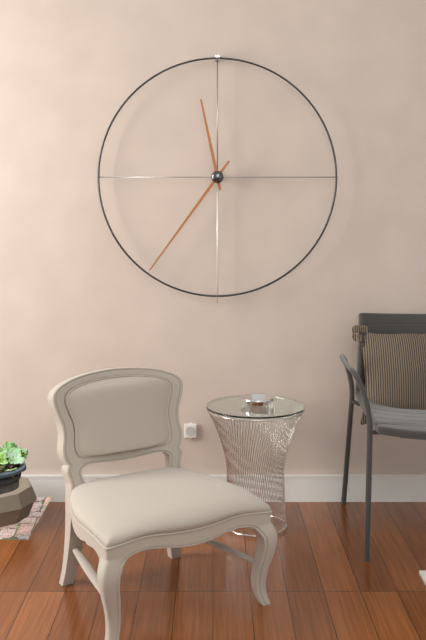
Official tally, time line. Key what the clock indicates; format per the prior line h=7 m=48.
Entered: h=11 m=36
